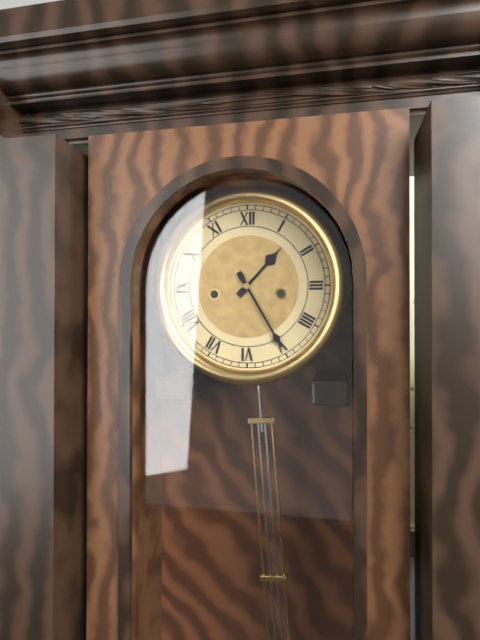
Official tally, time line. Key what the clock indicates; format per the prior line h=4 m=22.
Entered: h=1 m=25
